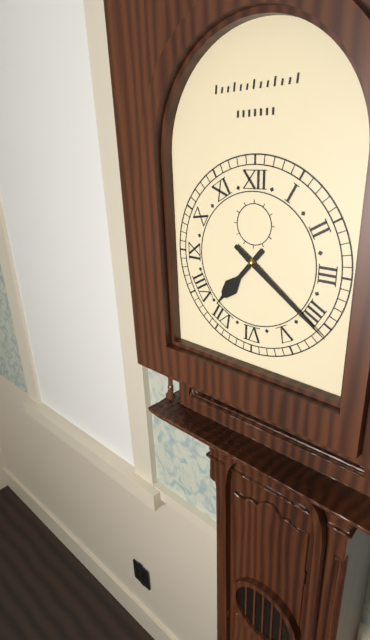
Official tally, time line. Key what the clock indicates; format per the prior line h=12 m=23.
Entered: h=7 m=21
